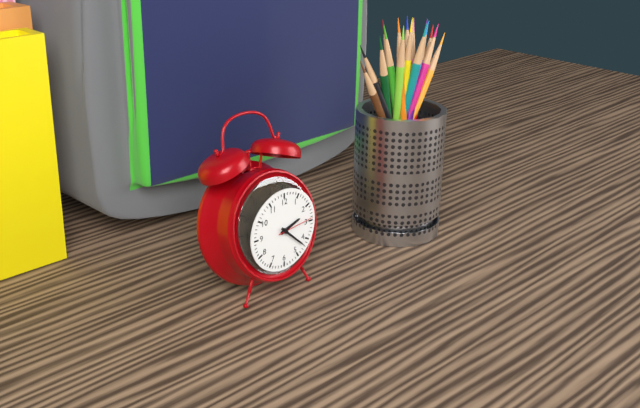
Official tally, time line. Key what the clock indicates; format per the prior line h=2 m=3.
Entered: h=2 m=22
